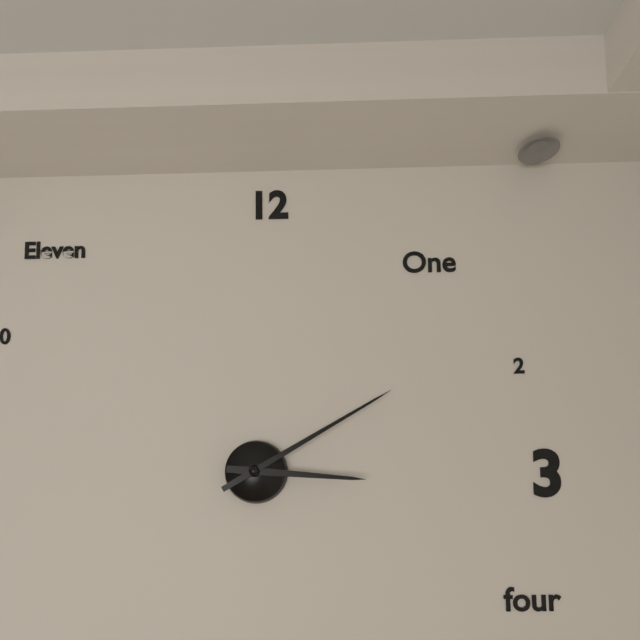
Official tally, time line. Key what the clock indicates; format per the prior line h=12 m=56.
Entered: h=3 m=10
